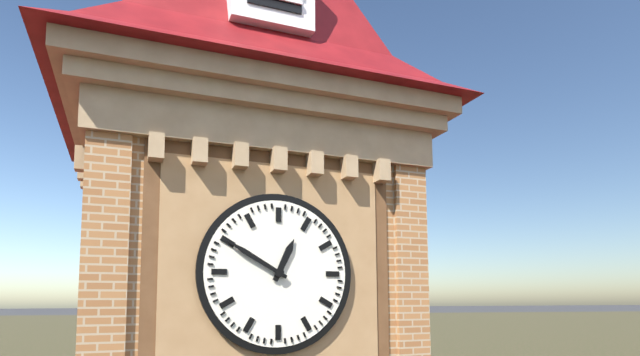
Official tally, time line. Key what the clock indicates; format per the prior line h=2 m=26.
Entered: h=12 m=50
